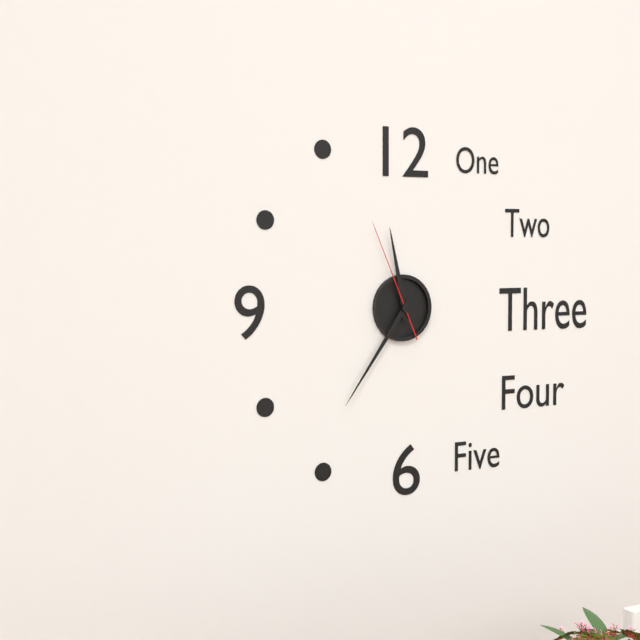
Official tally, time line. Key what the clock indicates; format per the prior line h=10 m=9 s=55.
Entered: h=11 m=36 s=56
